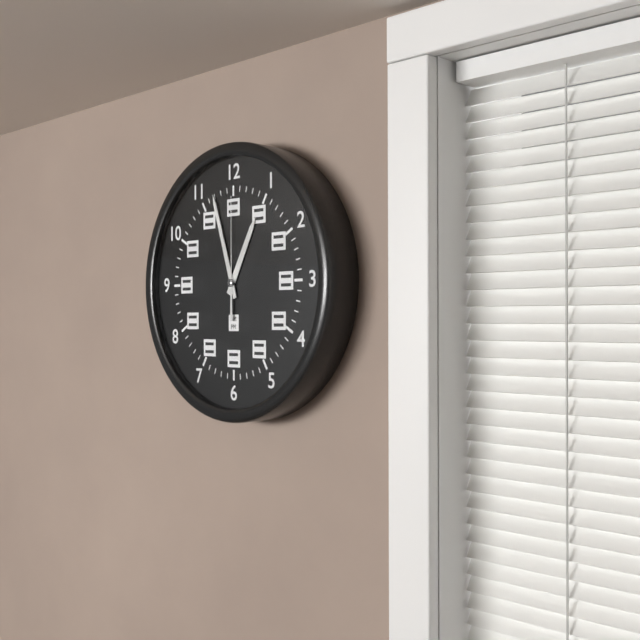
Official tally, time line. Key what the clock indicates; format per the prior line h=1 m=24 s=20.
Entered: h=12 m=57 s=0
